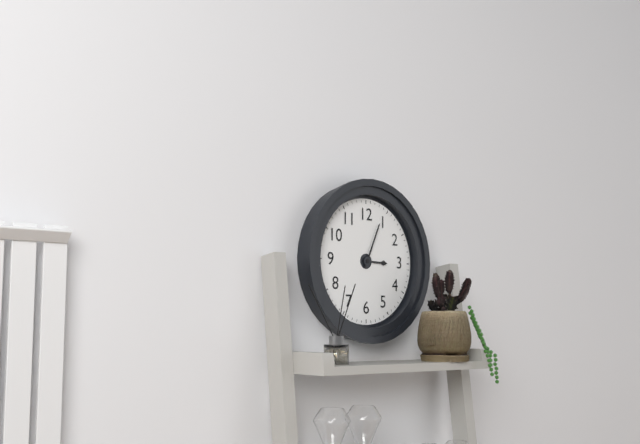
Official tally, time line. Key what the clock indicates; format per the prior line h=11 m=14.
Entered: h=3 m=4
